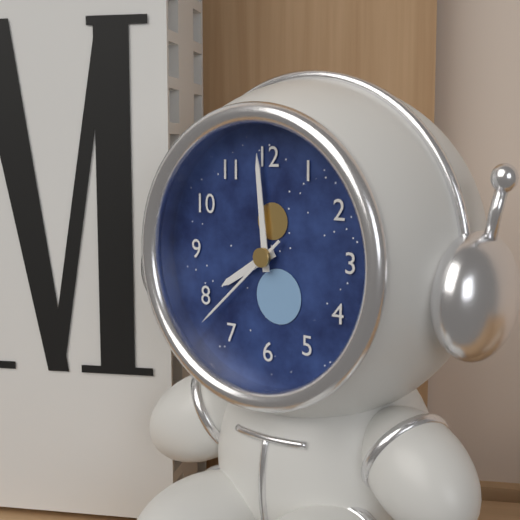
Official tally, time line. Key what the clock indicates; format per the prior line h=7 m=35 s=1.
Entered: h=7 m=59 s=38
